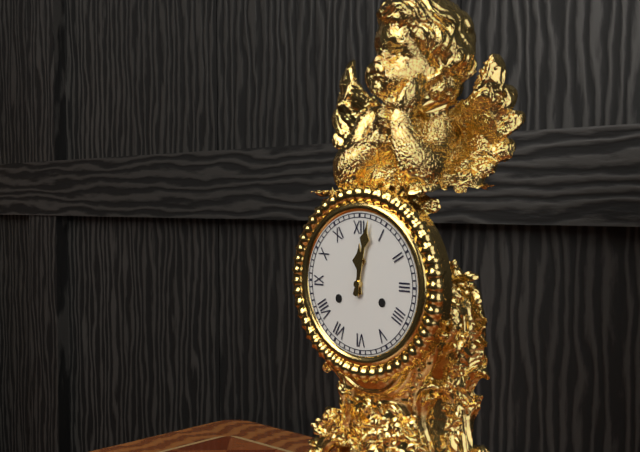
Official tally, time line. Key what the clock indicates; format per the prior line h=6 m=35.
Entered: h=12 m=2
